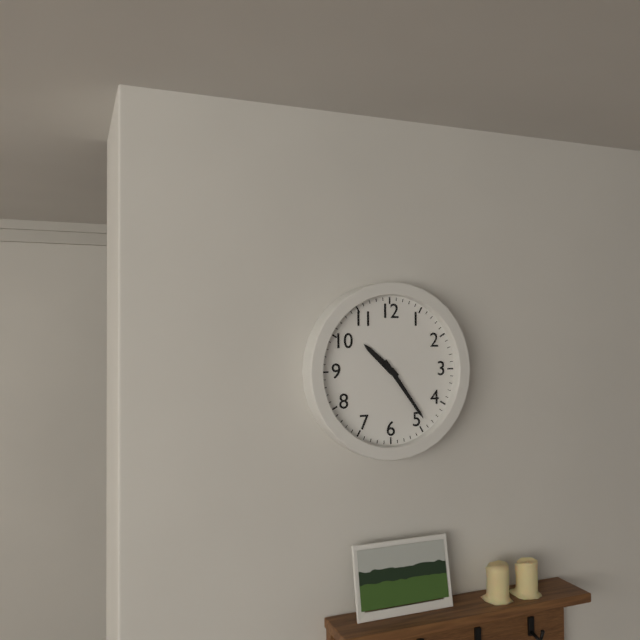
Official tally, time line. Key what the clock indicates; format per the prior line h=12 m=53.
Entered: h=10 m=24
